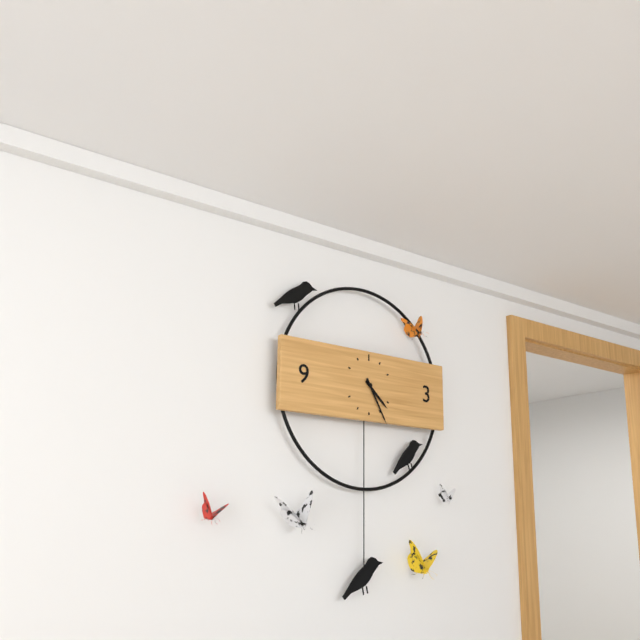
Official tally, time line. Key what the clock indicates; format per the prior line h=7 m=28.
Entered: h=4 m=25
